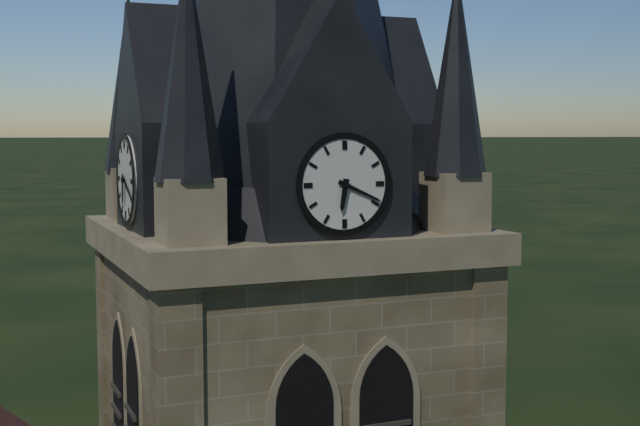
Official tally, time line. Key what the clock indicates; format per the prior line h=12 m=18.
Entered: h=6 m=19
